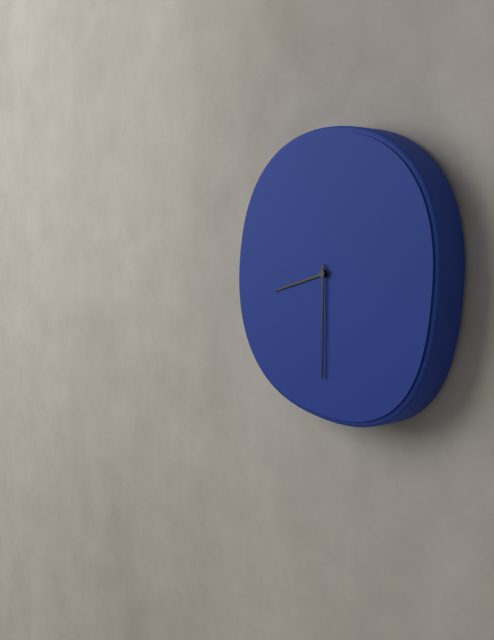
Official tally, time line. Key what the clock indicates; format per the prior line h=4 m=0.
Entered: h=8 m=30
